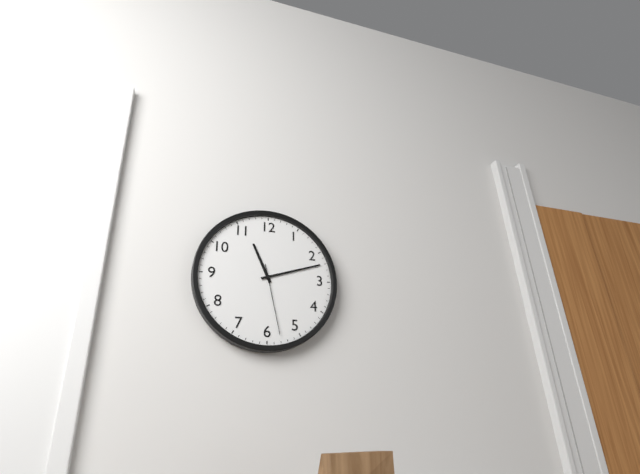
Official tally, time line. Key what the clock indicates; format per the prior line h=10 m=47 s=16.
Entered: h=11 m=12 s=28
